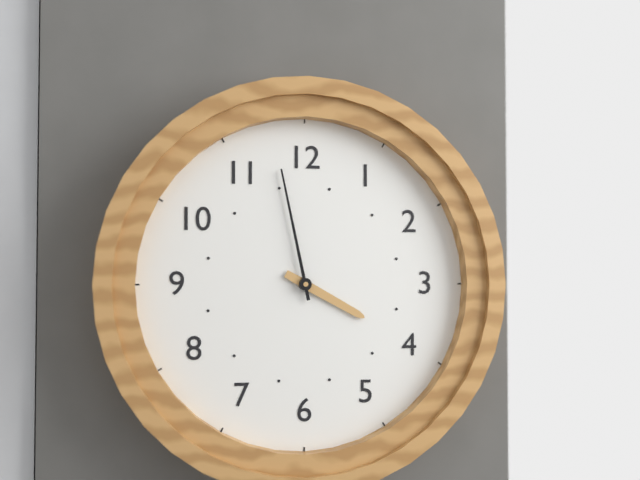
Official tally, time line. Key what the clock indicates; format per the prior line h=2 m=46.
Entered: h=3 m=58
